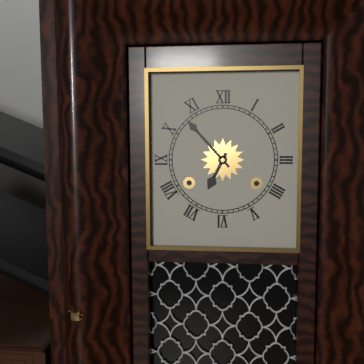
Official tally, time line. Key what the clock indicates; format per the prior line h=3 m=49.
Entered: h=6 m=53
